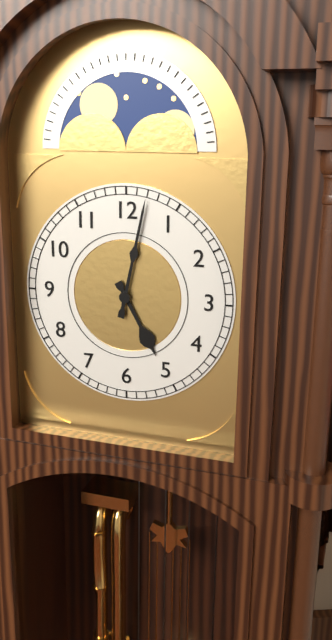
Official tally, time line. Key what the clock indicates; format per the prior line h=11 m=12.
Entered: h=5 m=2
